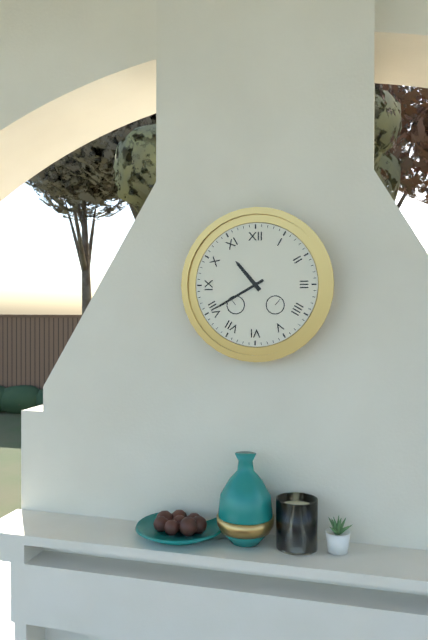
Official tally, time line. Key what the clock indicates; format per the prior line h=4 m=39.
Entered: h=10 m=40
